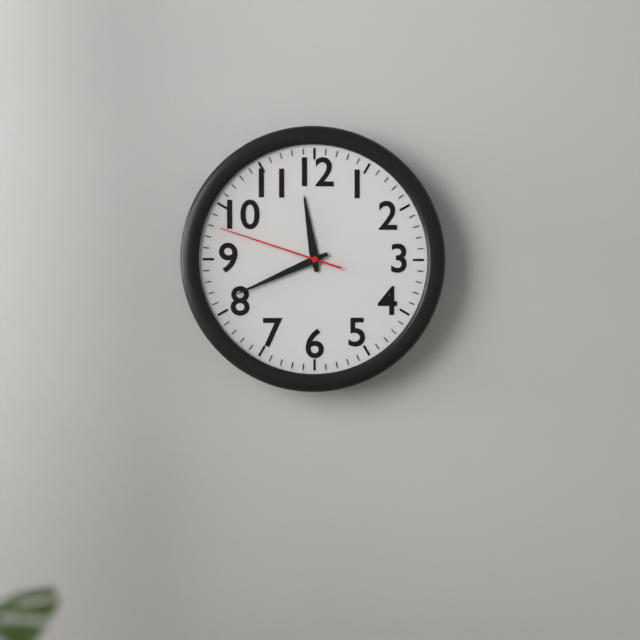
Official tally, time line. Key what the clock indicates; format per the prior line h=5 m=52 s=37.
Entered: h=11 m=41 s=48
